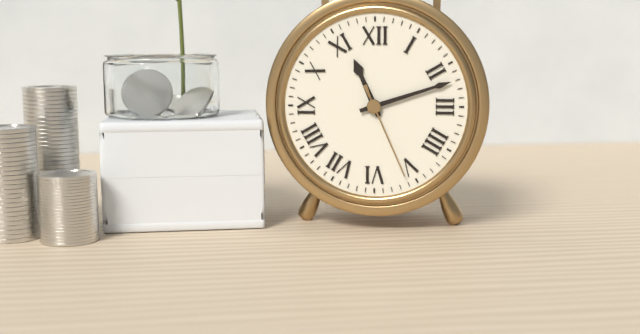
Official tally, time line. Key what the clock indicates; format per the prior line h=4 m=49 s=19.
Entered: h=11 m=12 s=26
